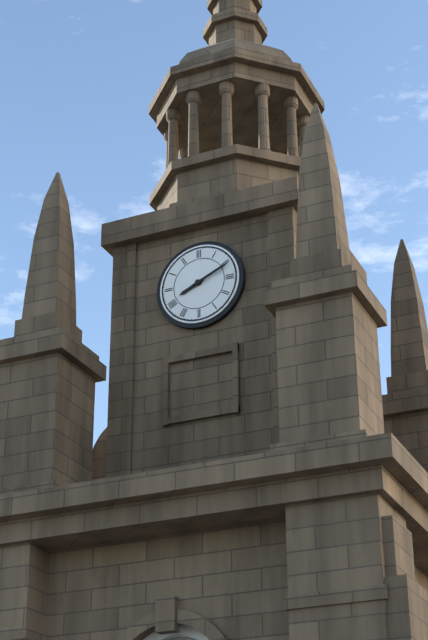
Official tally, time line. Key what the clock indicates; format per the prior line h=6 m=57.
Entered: h=8 m=11
